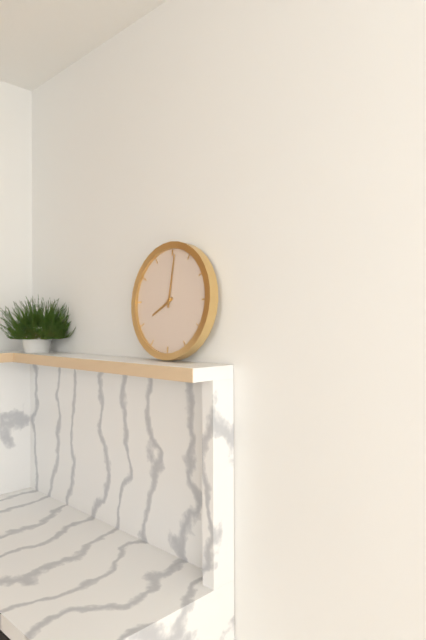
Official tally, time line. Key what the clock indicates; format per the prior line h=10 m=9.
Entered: h=8 m=1
